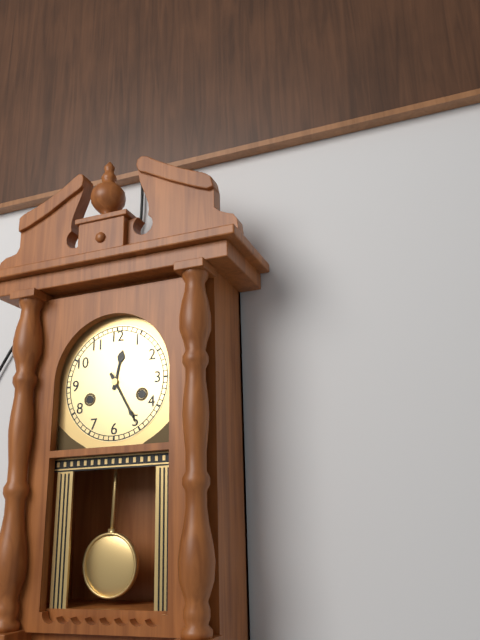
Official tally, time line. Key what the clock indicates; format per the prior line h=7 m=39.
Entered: h=12 m=25
